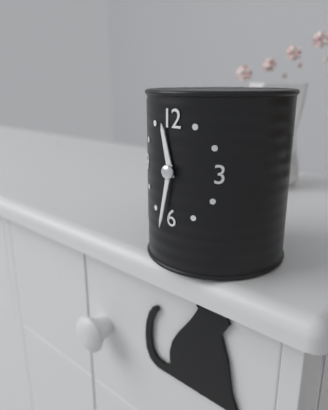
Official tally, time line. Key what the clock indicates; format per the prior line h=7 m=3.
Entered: h=11 m=32
